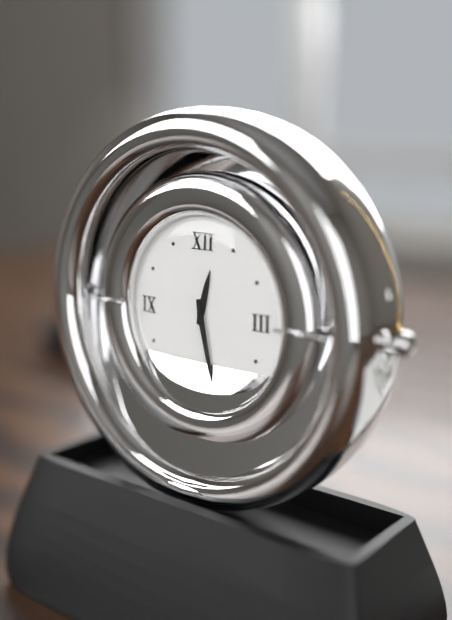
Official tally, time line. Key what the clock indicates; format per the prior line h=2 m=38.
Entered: h=12 m=28
